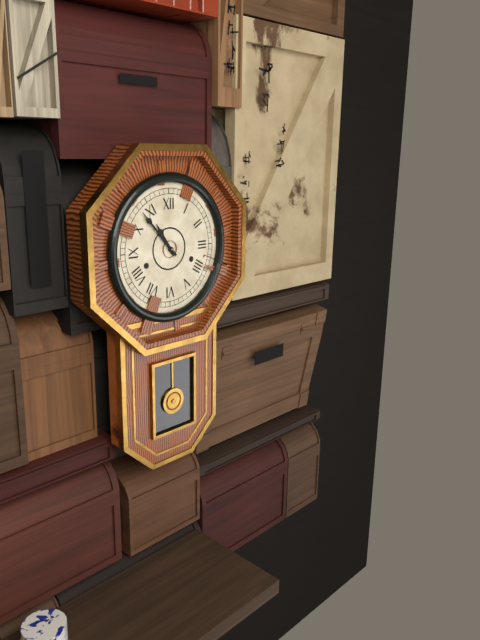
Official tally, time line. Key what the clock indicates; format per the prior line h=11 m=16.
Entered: h=10 m=53
